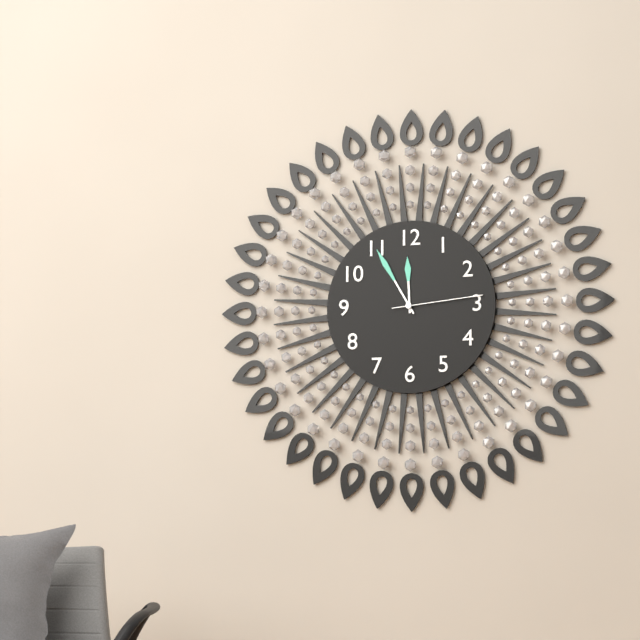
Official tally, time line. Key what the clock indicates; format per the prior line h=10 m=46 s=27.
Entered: h=11 m=55 s=14
